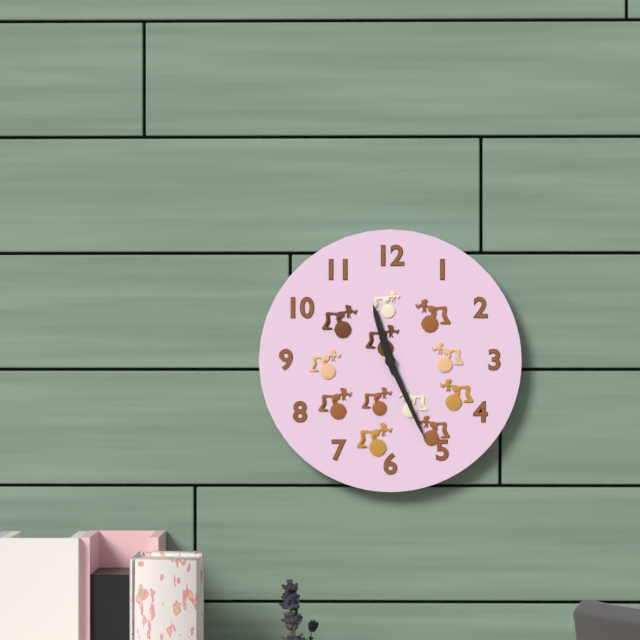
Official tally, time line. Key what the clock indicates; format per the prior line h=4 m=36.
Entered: h=11 m=26
